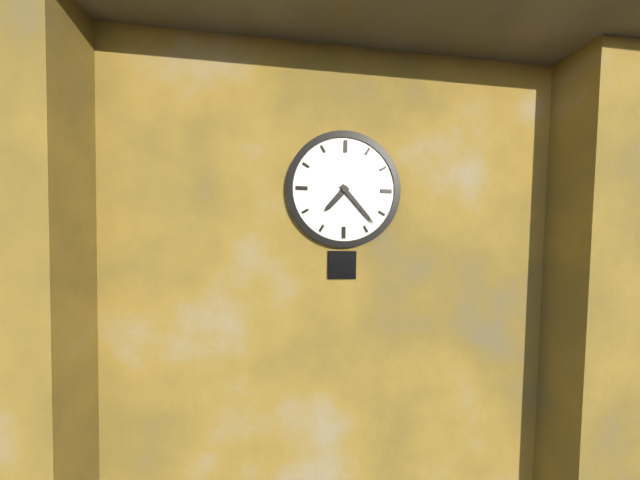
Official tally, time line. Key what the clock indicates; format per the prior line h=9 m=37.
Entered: h=7 m=23
